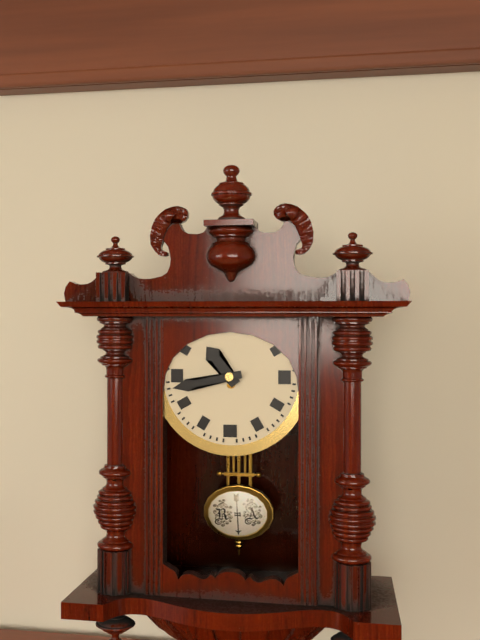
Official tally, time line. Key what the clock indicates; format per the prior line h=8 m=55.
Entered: h=10 m=43
